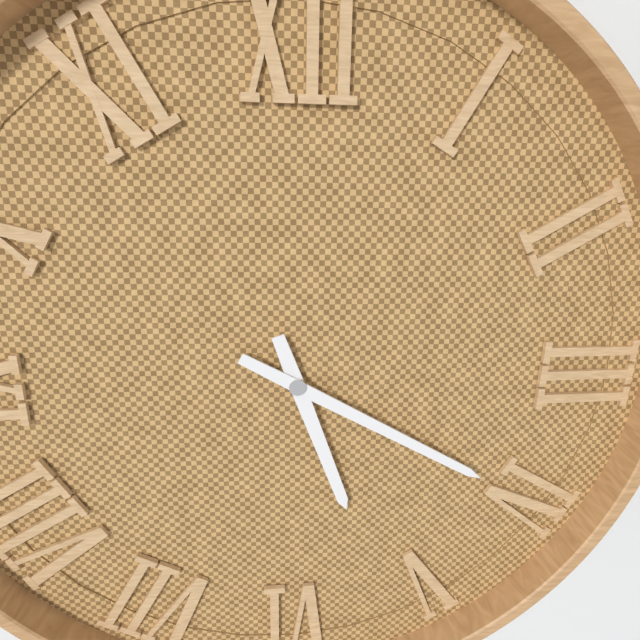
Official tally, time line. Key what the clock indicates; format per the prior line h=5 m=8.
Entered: h=5 m=20
